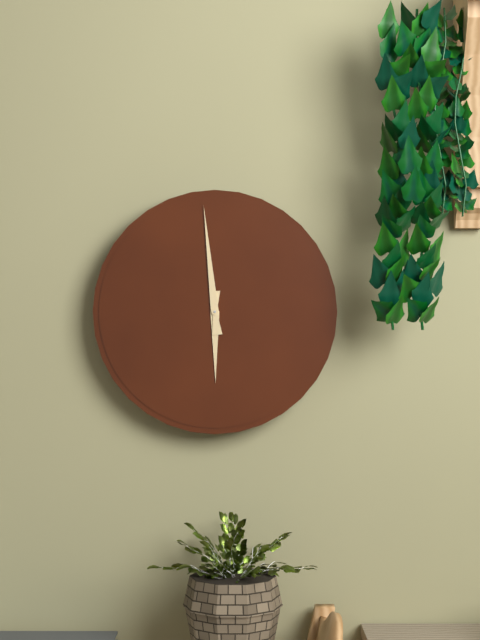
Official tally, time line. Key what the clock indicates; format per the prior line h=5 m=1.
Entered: h=5 m=59
